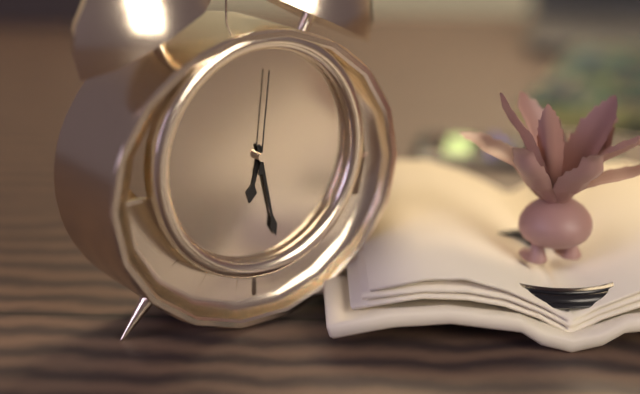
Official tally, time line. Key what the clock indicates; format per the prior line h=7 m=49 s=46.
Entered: h=6 m=28 s=1
